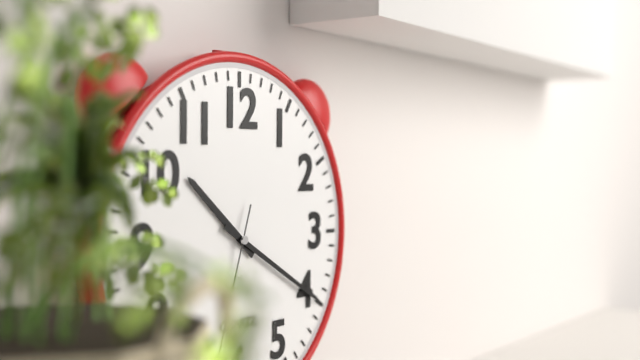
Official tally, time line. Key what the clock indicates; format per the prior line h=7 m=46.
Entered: h=10 m=20
